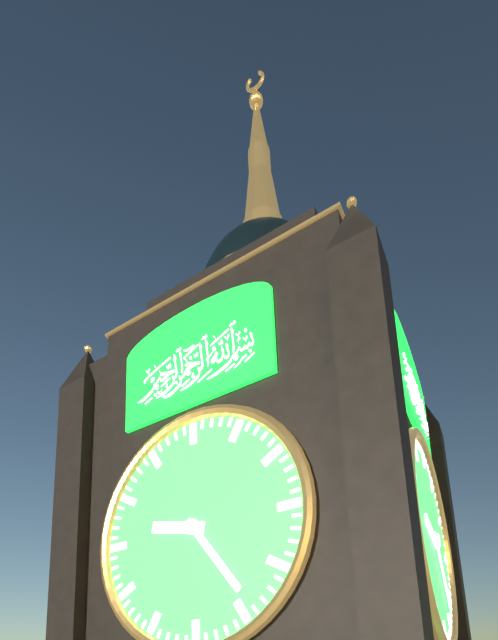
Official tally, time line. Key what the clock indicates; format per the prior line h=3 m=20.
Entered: h=9 m=24
